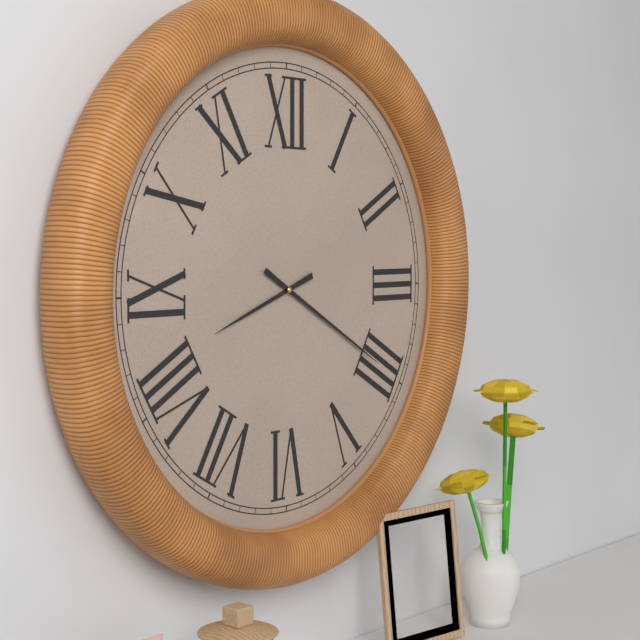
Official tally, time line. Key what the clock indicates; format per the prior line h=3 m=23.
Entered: h=8 m=20
